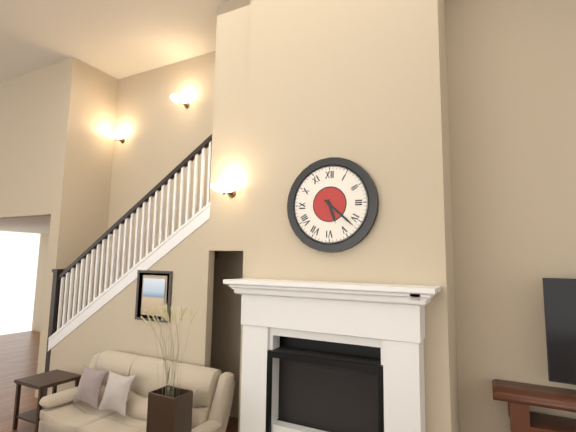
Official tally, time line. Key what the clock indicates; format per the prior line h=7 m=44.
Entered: h=5 m=22
